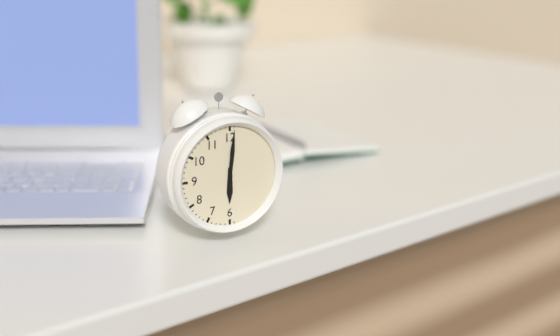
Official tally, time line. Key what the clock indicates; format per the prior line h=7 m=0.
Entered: h=6 m=1
